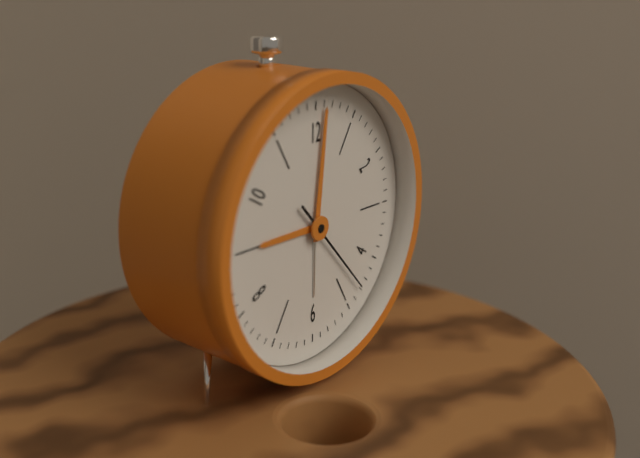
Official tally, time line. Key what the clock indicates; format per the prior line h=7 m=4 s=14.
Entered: h=9 m=1 s=23
